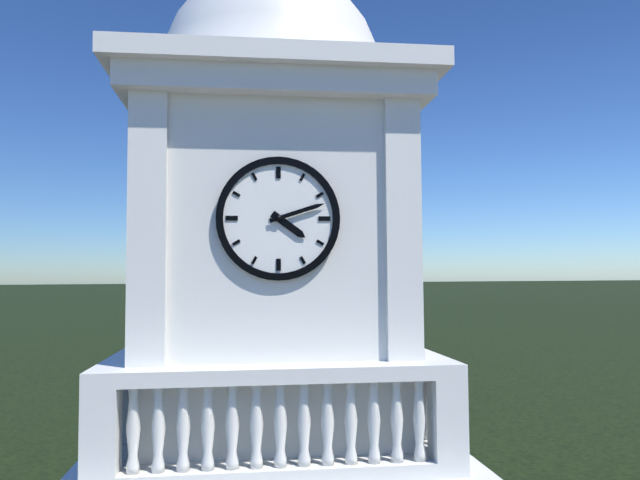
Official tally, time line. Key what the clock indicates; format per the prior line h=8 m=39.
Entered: h=4 m=12
